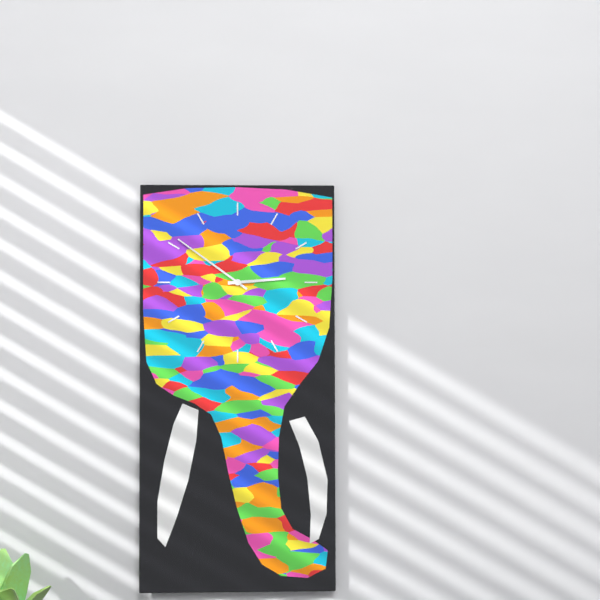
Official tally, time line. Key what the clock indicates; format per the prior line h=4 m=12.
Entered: h=2 m=51
